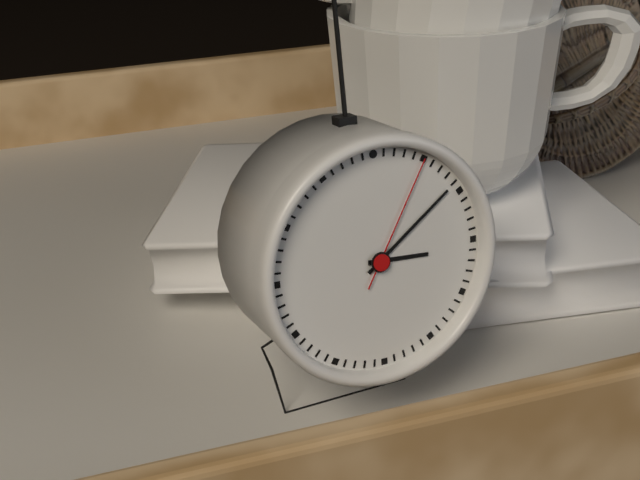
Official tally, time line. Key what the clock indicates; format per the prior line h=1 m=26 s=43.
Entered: h=3 m=9 s=5
